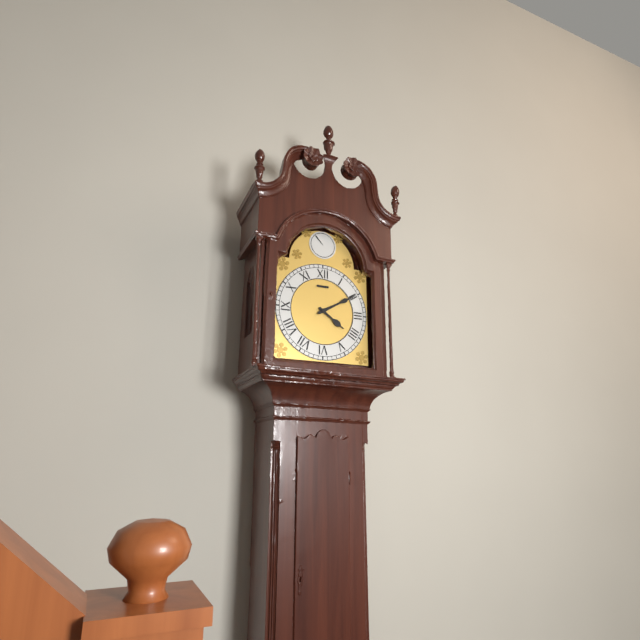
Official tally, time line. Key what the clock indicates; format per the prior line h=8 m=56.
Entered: h=4 m=10
